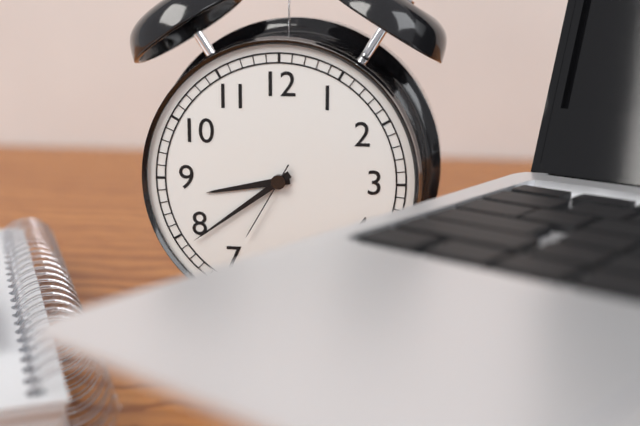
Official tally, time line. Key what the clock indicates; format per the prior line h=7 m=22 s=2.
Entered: h=8 m=39 s=35
